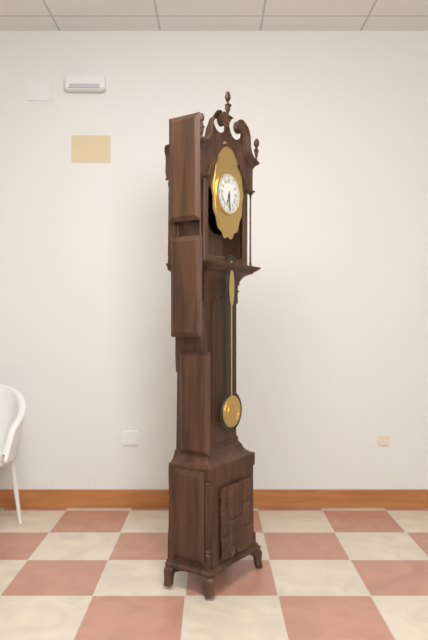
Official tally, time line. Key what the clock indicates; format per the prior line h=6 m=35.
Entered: h=6 m=29
